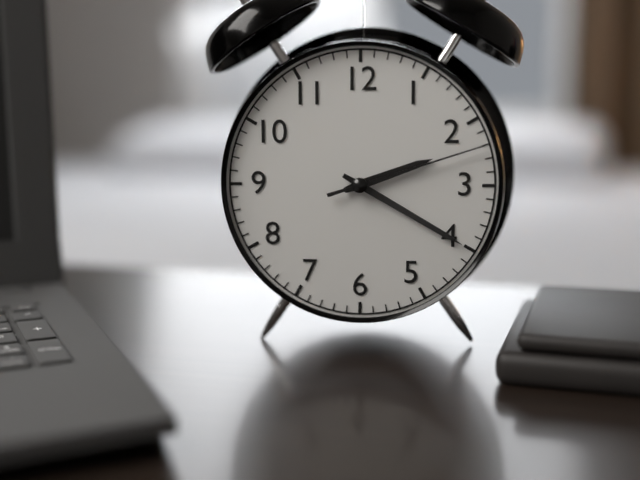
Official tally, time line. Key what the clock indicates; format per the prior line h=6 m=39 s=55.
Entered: h=2 m=20 s=12
